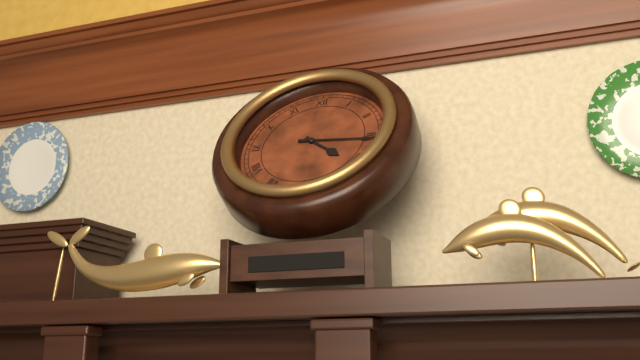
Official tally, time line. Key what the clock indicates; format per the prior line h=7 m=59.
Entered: h=4 m=16
